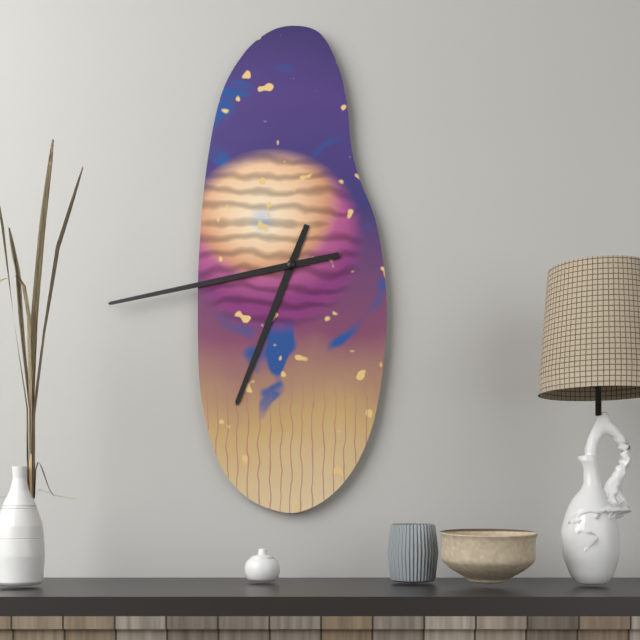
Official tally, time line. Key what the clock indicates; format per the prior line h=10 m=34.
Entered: h=6 m=43
